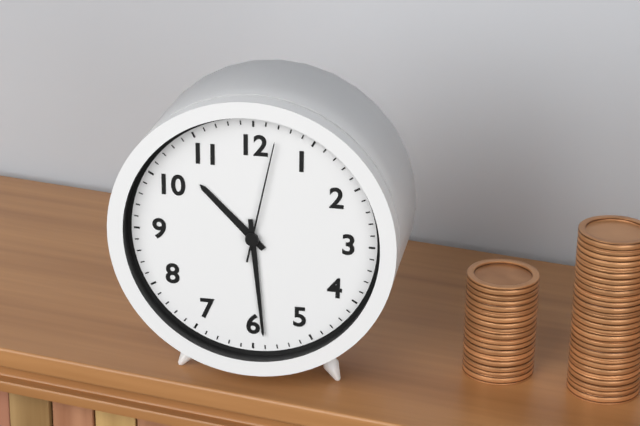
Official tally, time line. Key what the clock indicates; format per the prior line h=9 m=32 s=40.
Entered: h=10 m=29 s=2
